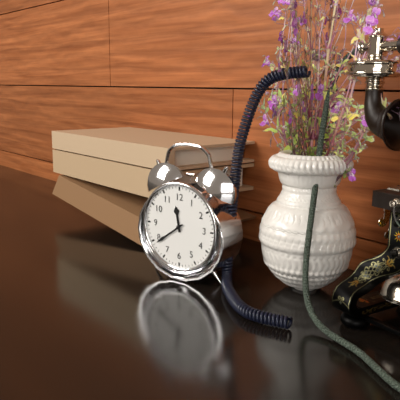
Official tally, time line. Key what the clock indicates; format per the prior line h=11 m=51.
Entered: h=11 m=39
